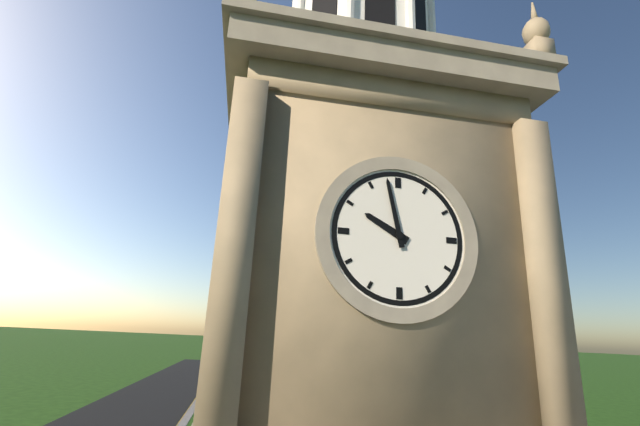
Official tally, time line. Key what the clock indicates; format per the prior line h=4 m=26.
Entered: h=9 m=58
